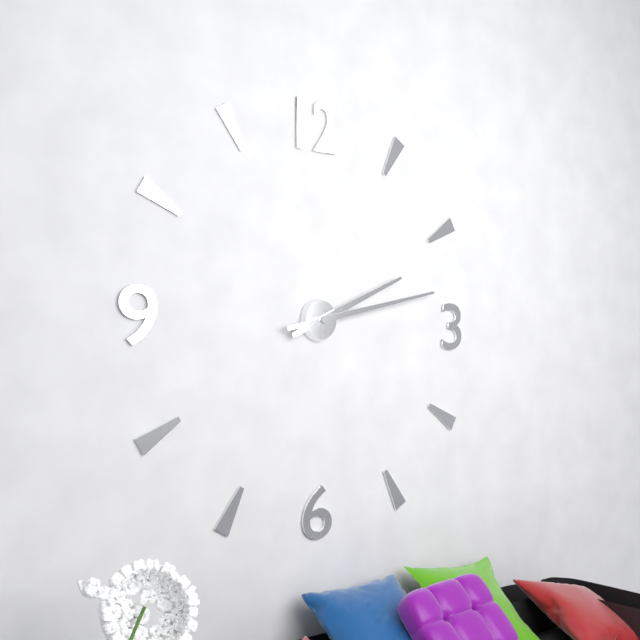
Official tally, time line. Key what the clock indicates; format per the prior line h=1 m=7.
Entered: h=2 m=13
